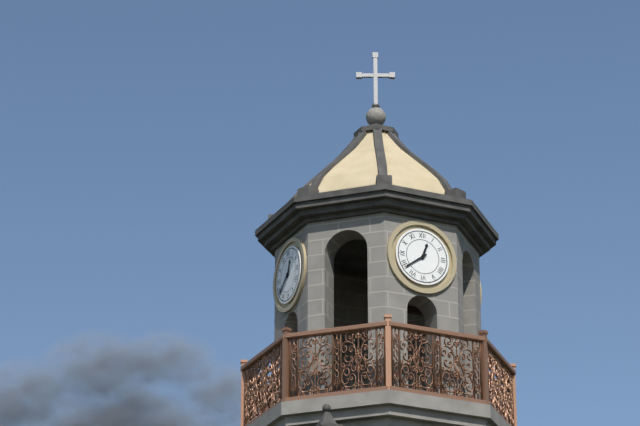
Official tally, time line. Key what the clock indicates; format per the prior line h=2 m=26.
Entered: h=12 m=39
